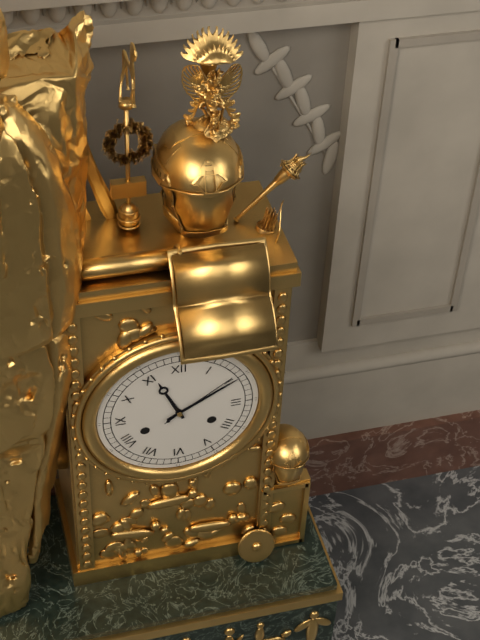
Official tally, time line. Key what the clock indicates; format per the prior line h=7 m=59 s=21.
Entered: h=11 m=10 s=9
